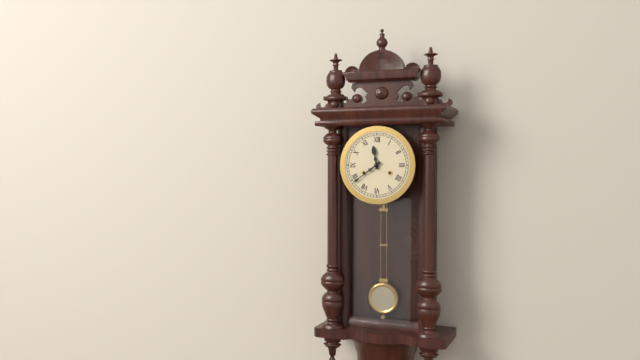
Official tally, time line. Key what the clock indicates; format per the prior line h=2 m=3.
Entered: h=11 m=39
